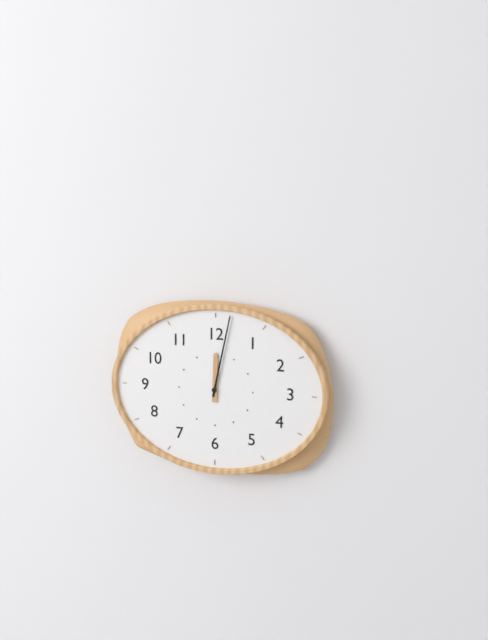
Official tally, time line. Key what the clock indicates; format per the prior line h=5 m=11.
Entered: h=12 m=2
